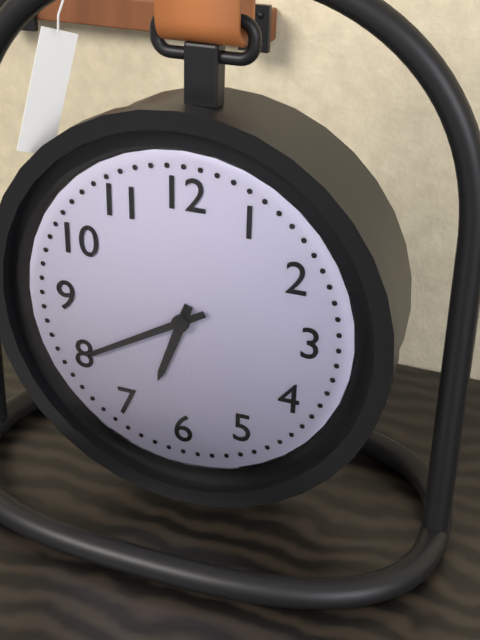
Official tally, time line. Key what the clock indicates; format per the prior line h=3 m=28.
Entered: h=6 m=40
